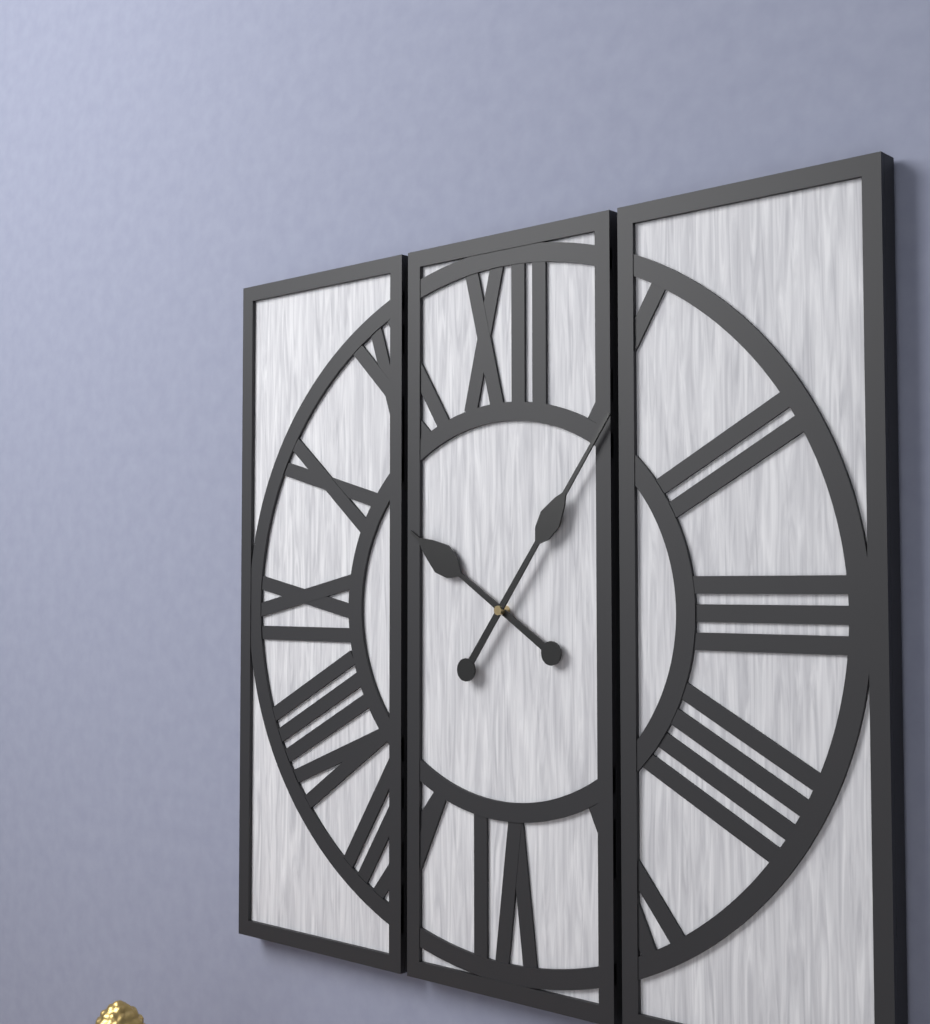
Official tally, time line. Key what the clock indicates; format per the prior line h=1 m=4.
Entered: h=10 m=6
